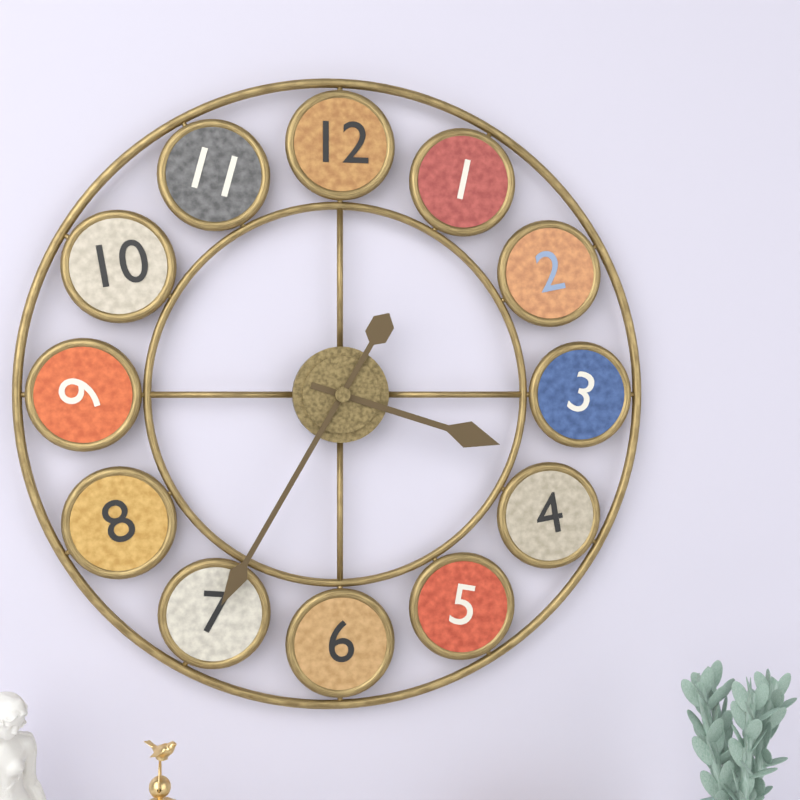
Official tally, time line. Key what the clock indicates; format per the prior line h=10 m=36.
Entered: h=3 m=35
